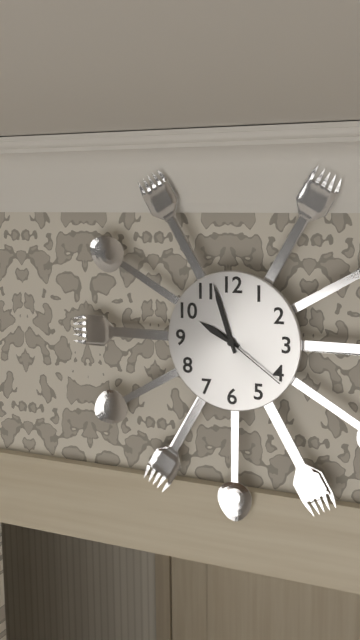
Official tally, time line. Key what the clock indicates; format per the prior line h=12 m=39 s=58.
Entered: h=9 m=57 s=21
